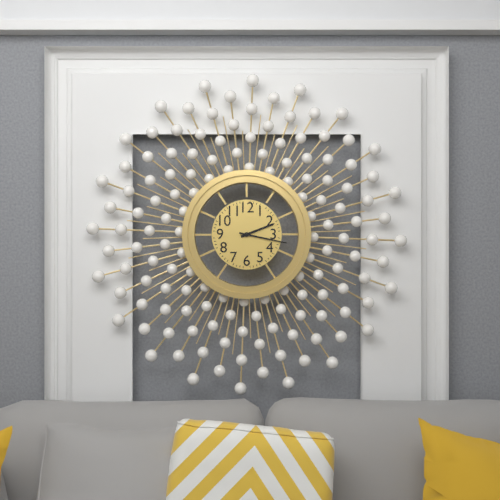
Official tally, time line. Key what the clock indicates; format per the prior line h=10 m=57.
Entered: h=2 m=17
